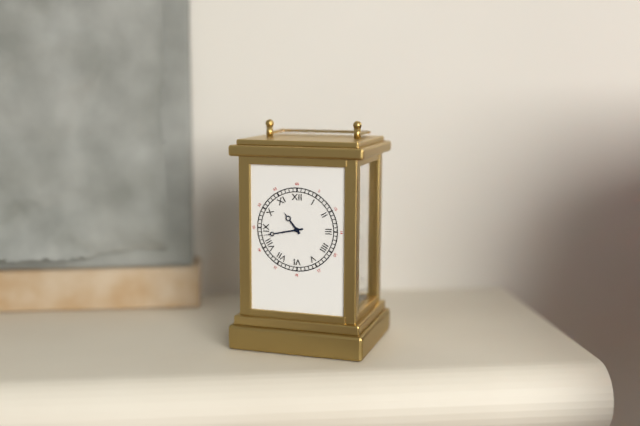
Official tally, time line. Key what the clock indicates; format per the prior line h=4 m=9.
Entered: h=10 m=43
